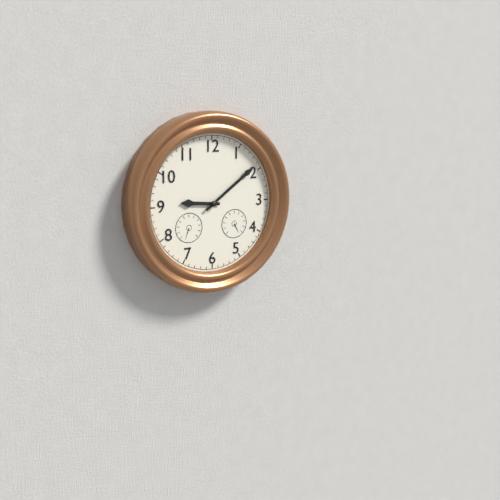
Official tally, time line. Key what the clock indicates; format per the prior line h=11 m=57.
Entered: h=9 m=9
